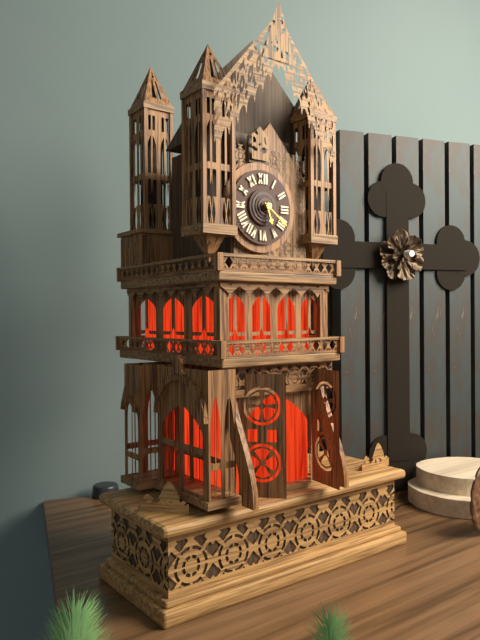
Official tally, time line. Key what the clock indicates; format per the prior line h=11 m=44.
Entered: h=5 m=21
